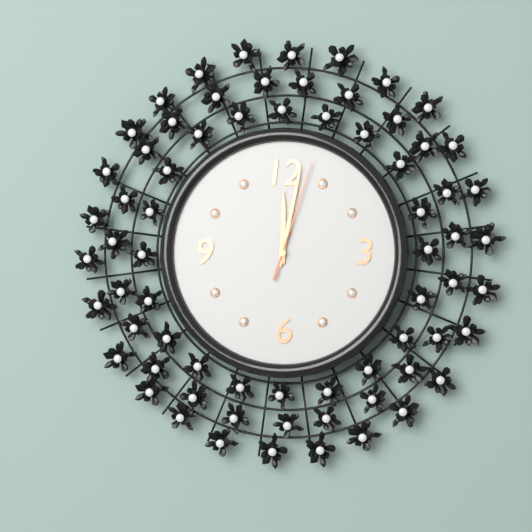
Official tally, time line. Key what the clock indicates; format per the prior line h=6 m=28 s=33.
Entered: h=12 m=2 s=3
